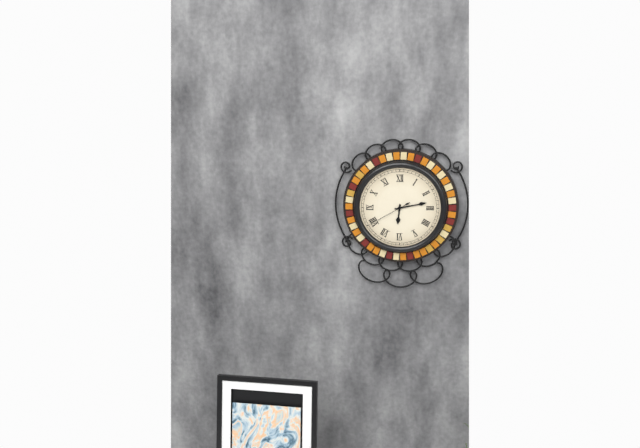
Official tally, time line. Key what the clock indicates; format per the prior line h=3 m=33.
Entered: h=6 m=13
